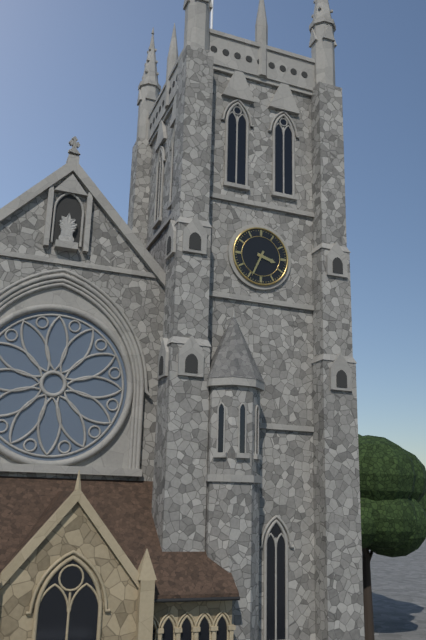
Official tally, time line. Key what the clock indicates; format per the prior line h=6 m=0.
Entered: h=3 m=34
